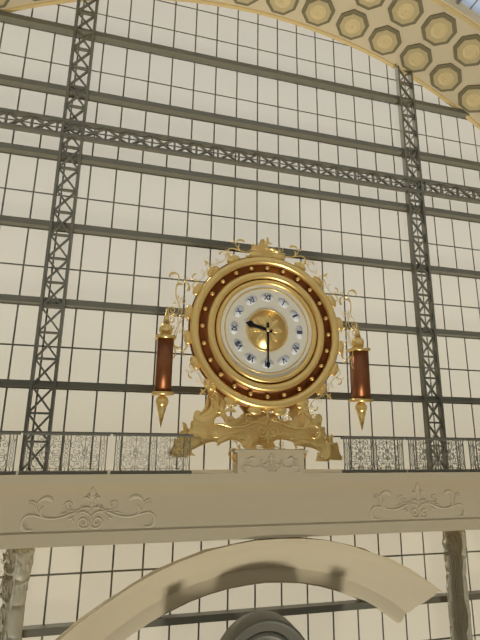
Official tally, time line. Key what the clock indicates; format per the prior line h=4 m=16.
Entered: h=9 m=30
